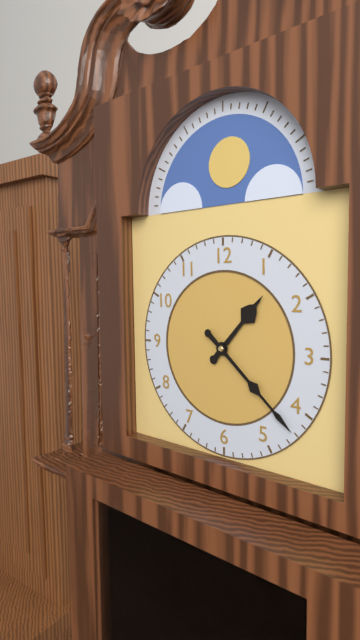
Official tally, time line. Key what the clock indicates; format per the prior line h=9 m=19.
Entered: h=1 m=22
